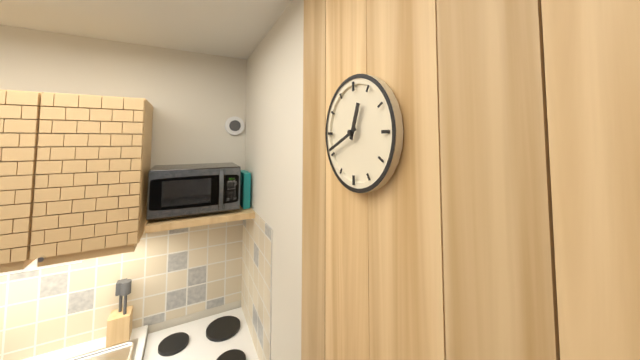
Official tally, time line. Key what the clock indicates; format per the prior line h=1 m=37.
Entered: h=12 m=41
